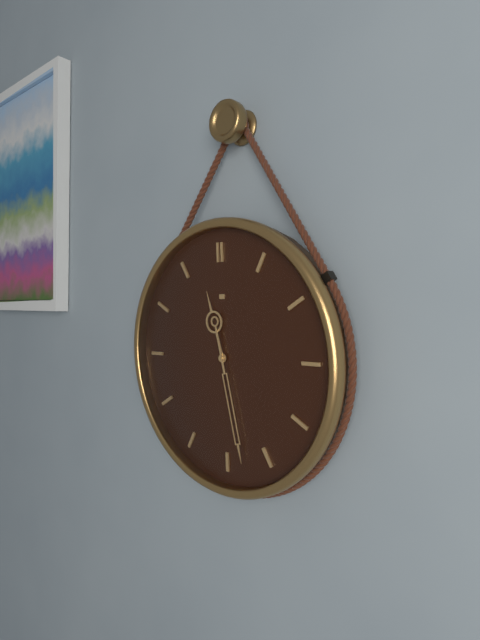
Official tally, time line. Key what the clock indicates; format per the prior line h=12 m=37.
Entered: h=11 m=28
